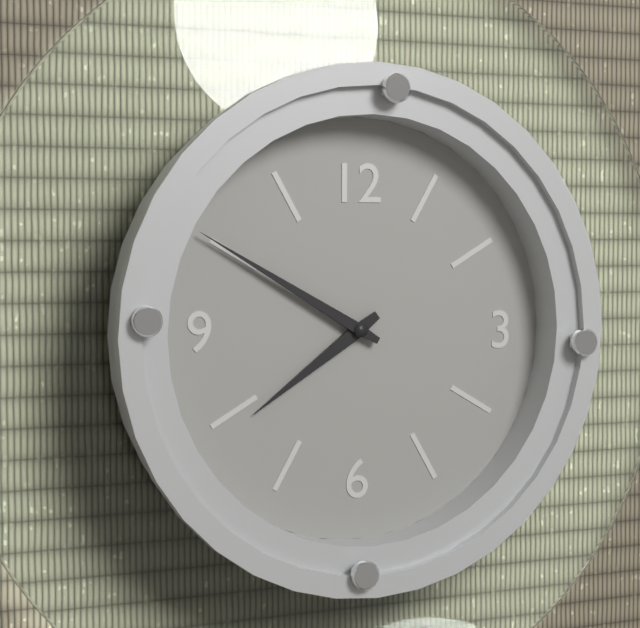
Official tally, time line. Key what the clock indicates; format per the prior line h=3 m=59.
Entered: h=7 m=50
